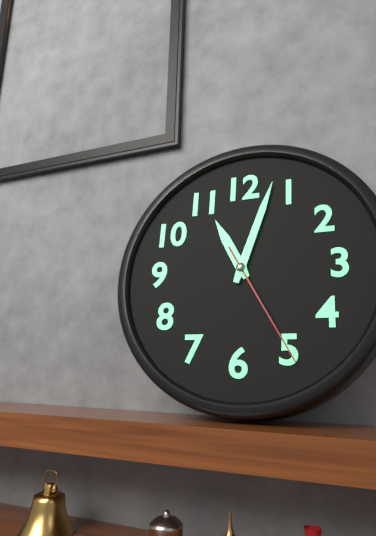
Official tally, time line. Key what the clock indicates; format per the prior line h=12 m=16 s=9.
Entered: h=11 m=3 s=25
